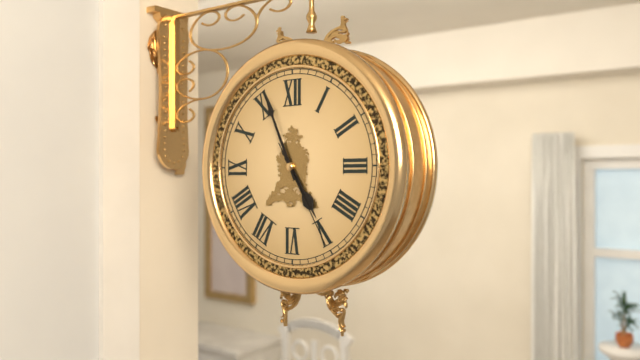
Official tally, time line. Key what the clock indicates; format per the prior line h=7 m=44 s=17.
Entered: h=4 m=56 s=25
